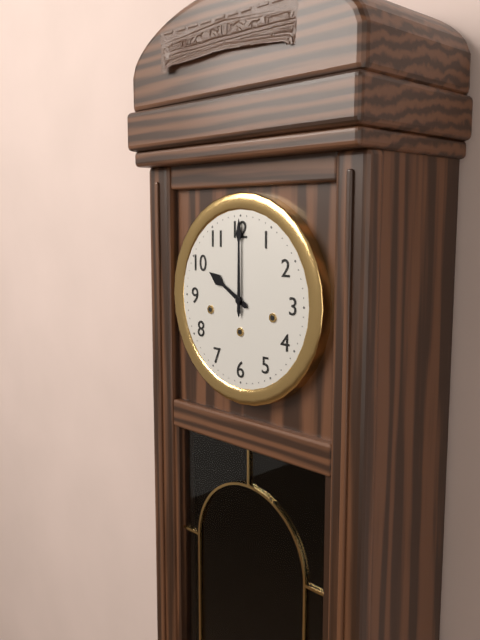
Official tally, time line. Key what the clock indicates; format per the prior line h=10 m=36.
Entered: h=10 m=0
